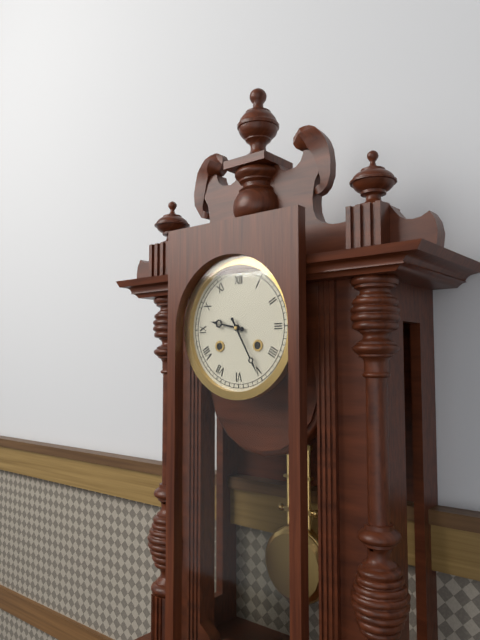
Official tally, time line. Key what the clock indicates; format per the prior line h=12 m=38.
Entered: h=9 m=25
